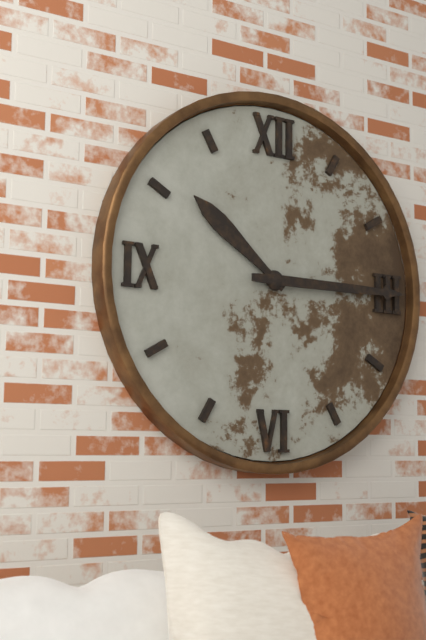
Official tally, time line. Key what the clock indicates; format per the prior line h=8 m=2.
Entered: h=10 m=15
